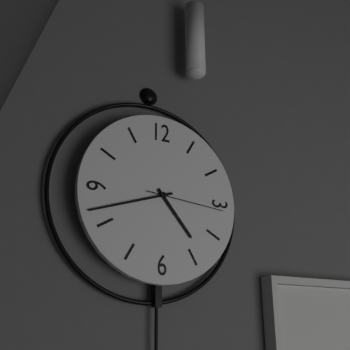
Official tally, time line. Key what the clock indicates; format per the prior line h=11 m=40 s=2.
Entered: h=4 m=42 s=16
